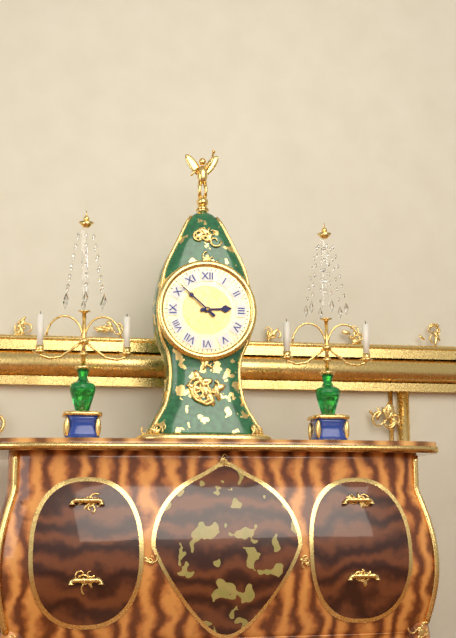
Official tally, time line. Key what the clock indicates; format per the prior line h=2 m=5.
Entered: h=2 m=52
